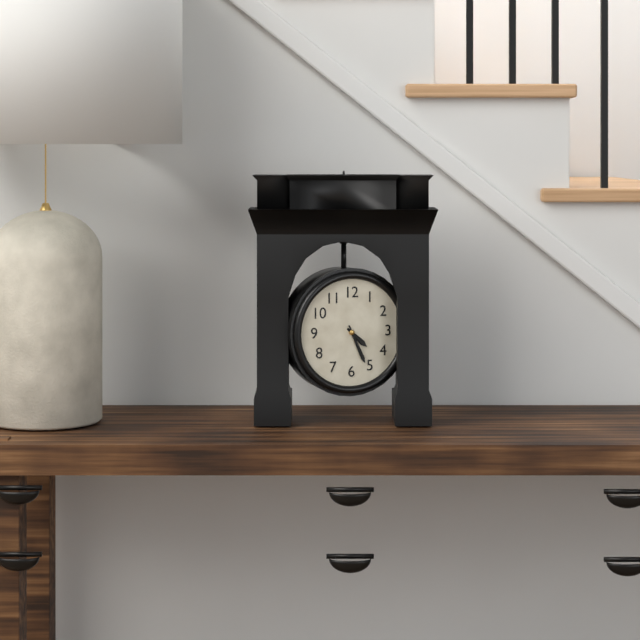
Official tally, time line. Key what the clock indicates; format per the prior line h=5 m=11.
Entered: h=4 m=26
